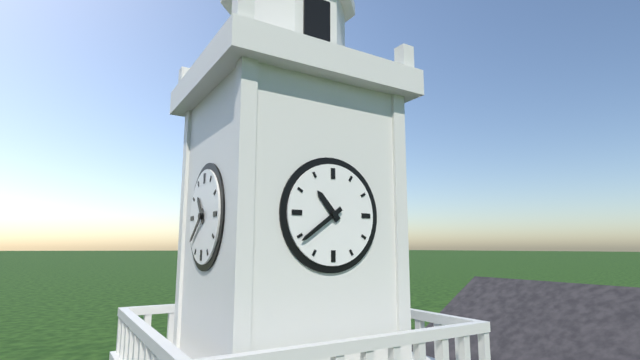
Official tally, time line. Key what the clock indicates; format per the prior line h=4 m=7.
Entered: h=10 m=39
